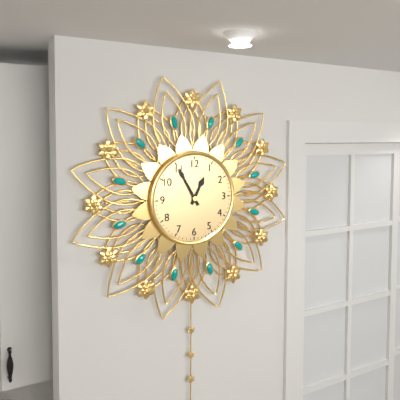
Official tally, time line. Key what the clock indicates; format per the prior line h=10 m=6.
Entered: h=12 m=55
